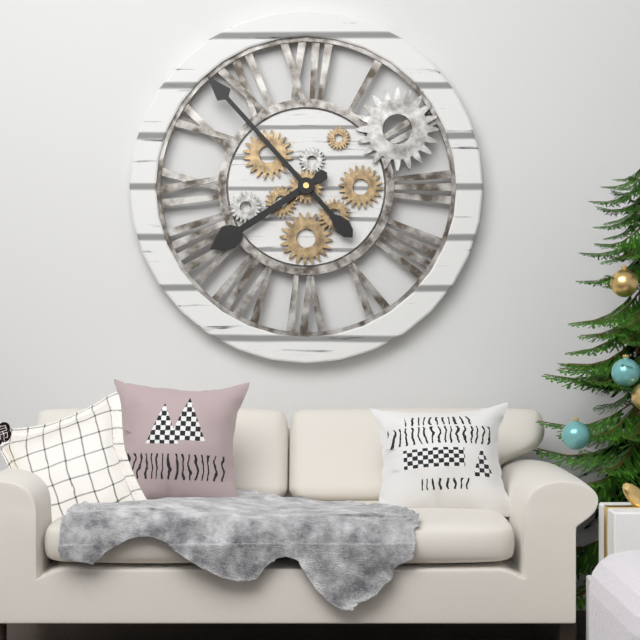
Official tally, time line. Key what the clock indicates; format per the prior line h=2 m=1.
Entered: h=7 m=53
